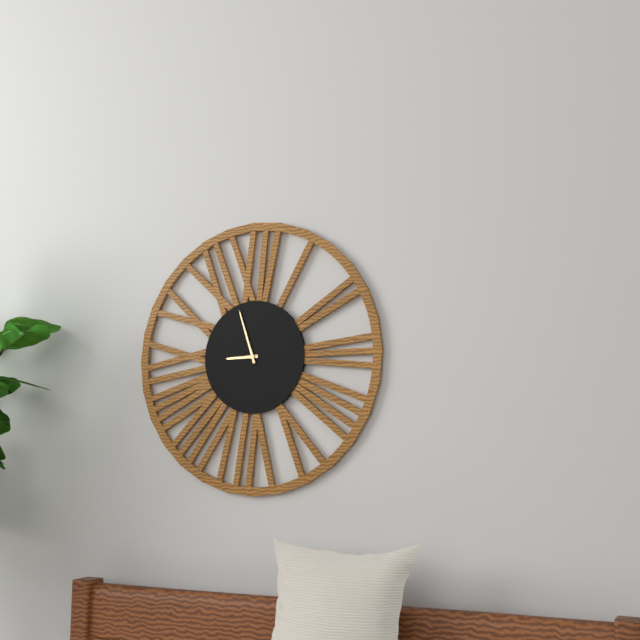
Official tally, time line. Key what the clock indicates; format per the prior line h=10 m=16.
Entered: h=8 m=57
